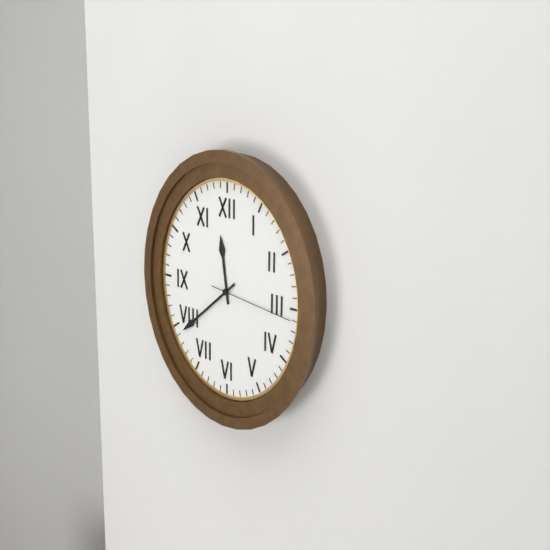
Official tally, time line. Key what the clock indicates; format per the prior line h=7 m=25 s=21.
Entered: h=11 m=39 s=16
